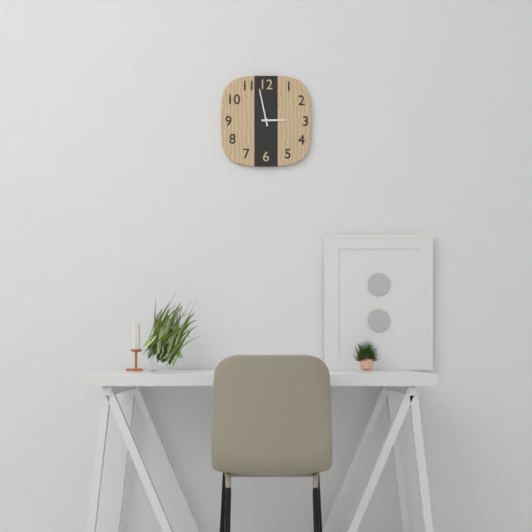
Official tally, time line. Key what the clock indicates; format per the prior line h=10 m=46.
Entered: h=2 m=58
